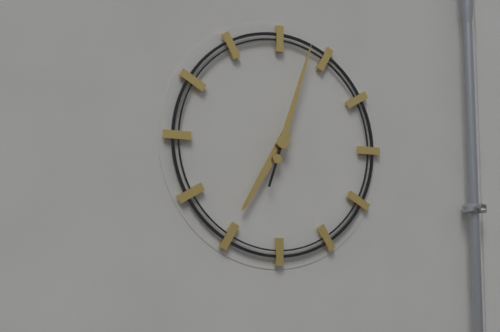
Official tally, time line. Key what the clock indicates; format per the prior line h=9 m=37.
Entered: h=7 m=3
